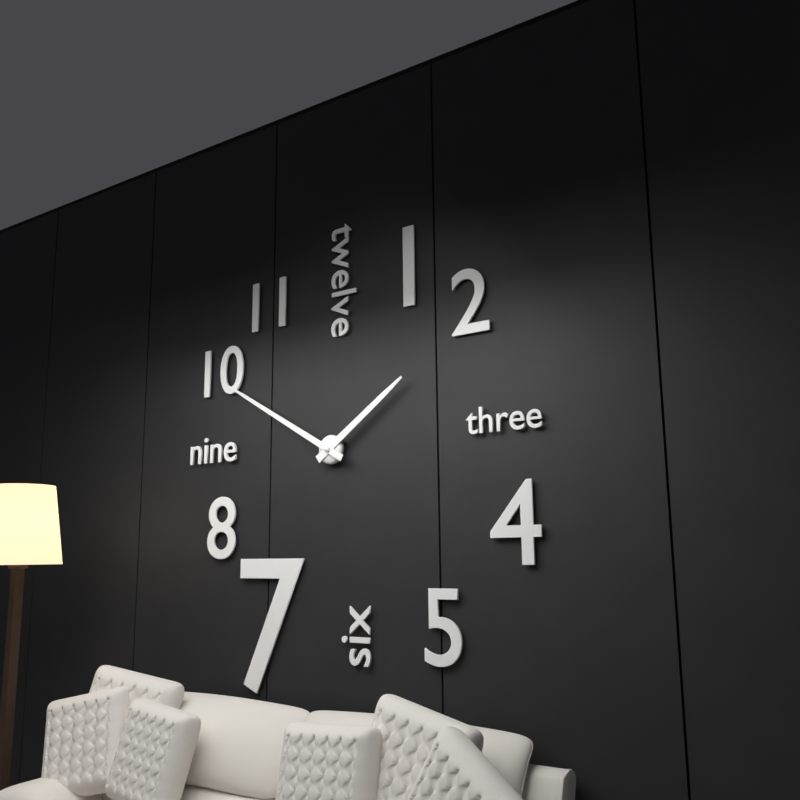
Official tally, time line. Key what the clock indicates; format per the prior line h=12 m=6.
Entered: h=1 m=50
